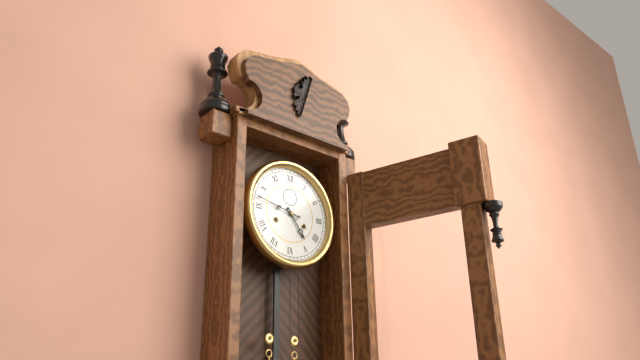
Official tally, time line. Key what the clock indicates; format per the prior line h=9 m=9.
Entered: h=4 m=47
